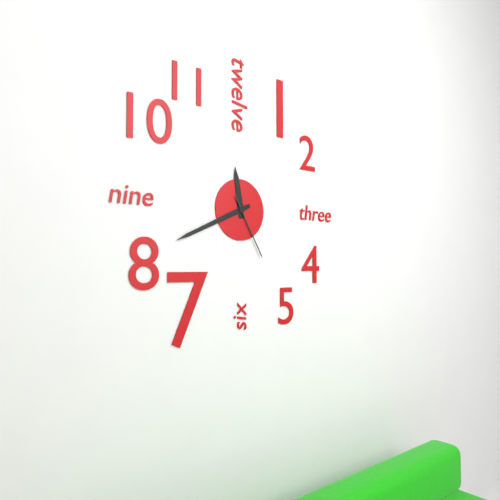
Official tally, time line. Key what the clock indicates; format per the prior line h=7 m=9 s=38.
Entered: h=11 m=41 s=25
